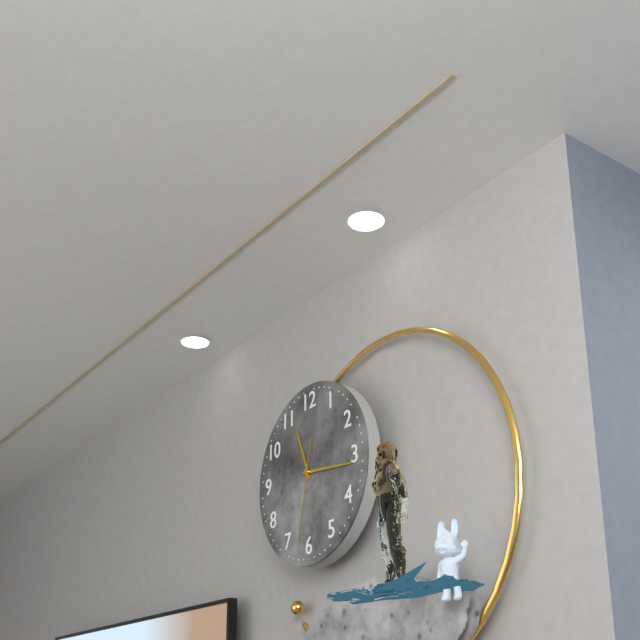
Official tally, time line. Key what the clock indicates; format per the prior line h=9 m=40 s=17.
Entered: h=11 m=16 s=32
